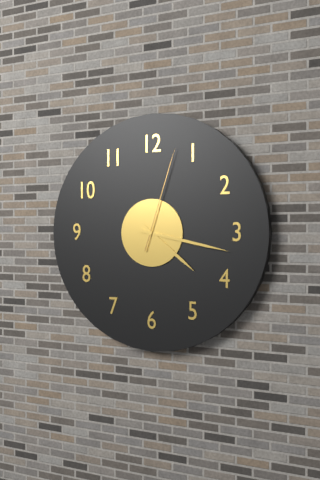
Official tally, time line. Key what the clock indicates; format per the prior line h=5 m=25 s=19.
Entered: h=4 m=17 s=3
